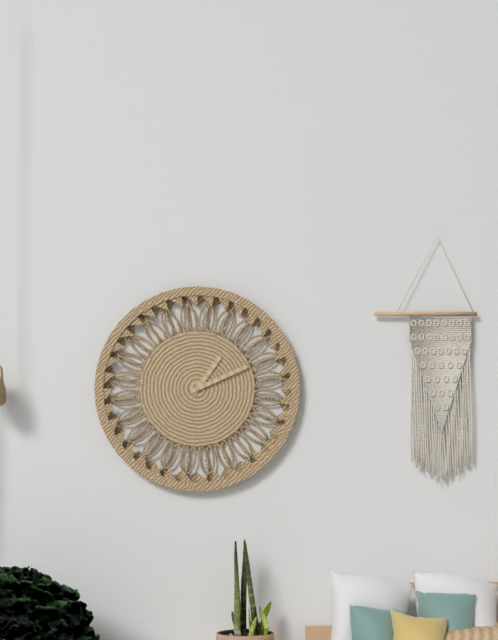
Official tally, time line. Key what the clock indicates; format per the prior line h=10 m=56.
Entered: h=1 m=11
